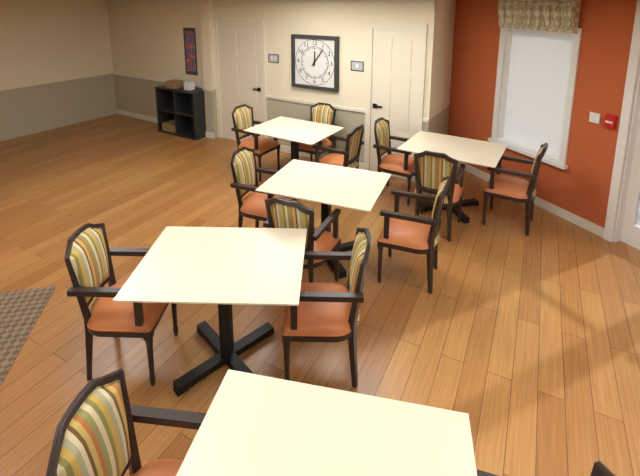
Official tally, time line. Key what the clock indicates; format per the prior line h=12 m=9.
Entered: h=12 m=6
